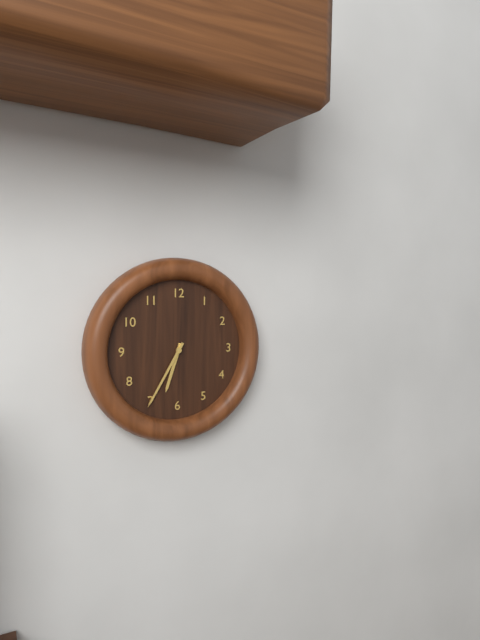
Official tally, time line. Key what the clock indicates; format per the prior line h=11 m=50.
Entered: h=6 m=35
